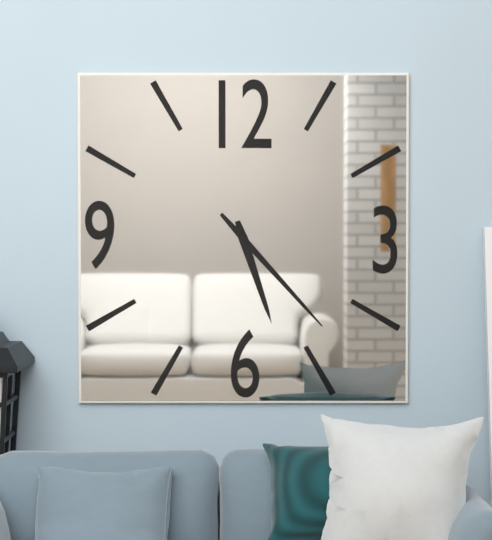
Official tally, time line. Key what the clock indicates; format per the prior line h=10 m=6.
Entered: h=5 m=23
